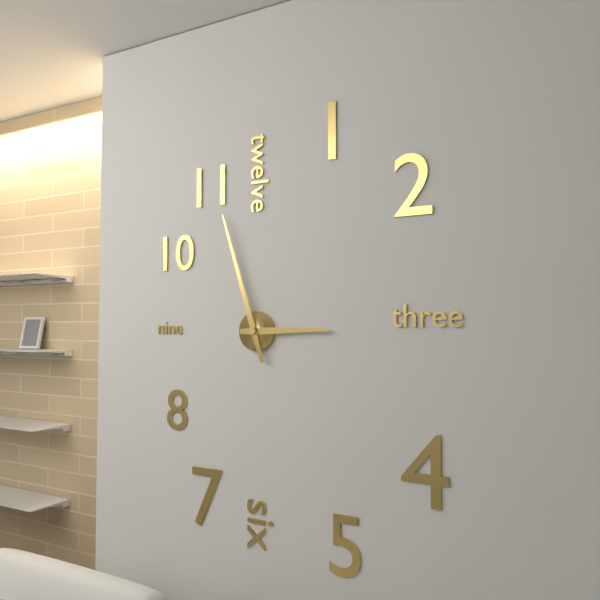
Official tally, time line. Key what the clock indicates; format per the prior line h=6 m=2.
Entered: h=2 m=57
